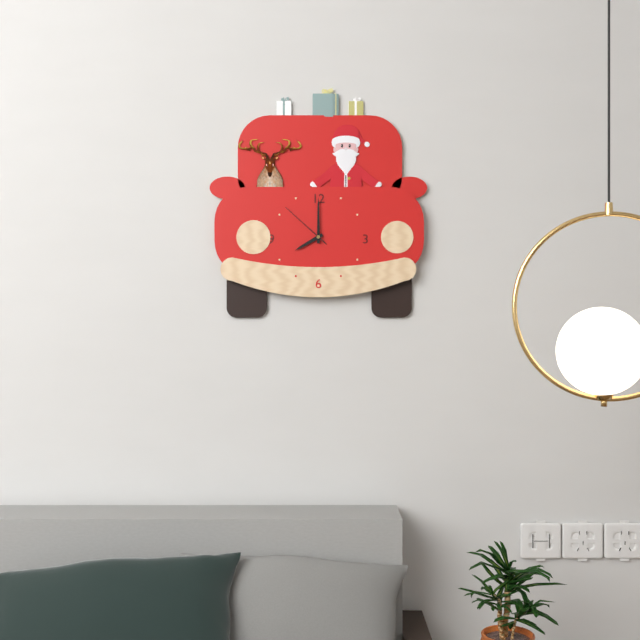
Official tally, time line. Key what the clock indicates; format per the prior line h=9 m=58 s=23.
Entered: h=8 m=0 s=52
